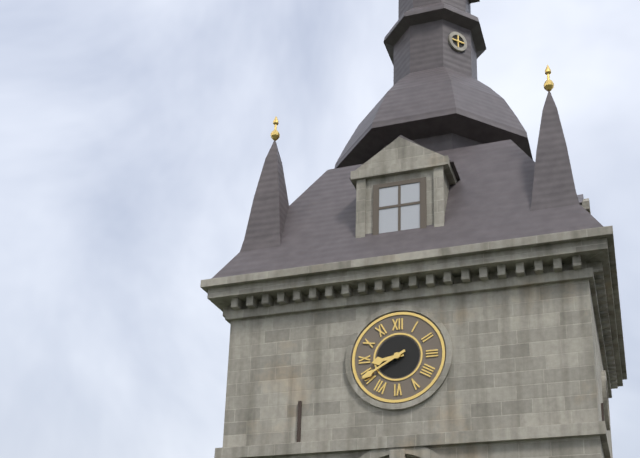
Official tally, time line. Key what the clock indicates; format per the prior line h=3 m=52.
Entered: h=8 m=40
